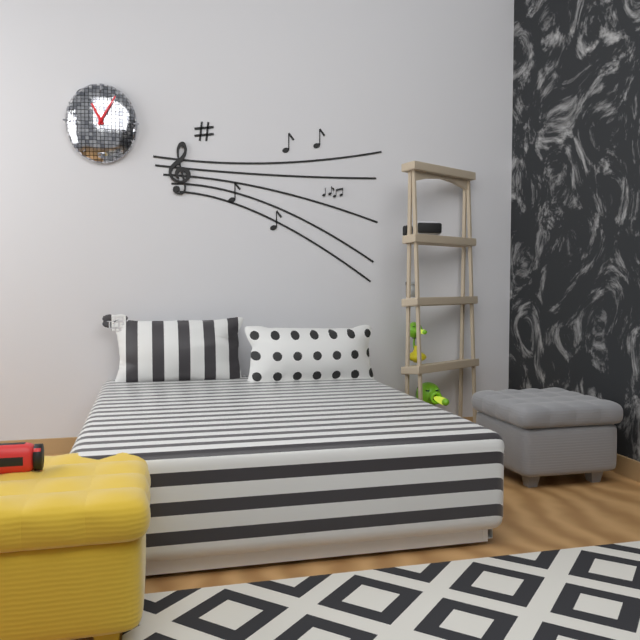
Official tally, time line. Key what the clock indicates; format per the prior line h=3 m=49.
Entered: h=11 m=5
